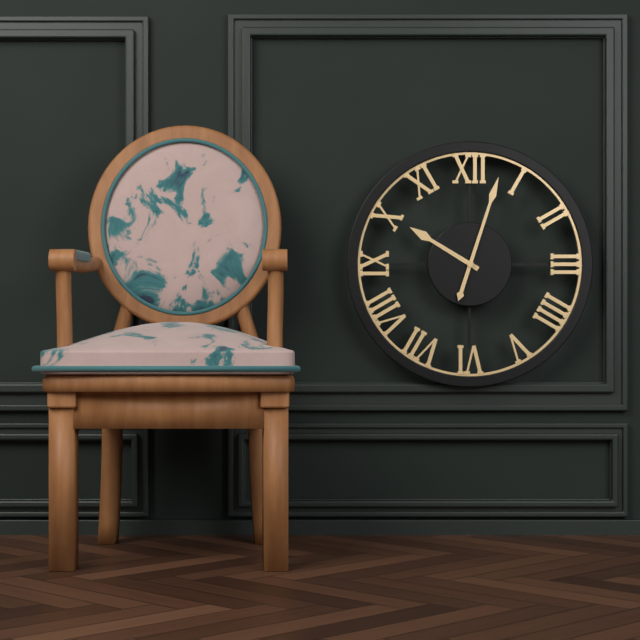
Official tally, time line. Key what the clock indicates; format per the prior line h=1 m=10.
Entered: h=10 m=3
